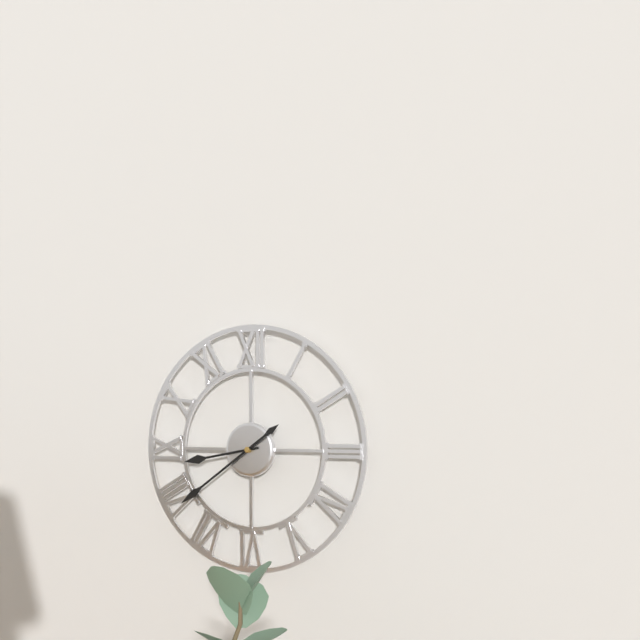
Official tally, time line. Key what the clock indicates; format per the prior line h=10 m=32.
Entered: h=8 m=39
